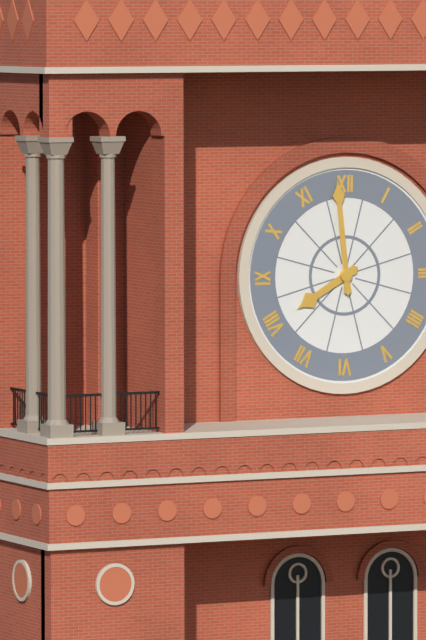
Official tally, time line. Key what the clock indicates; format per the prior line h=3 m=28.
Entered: h=7 m=59
